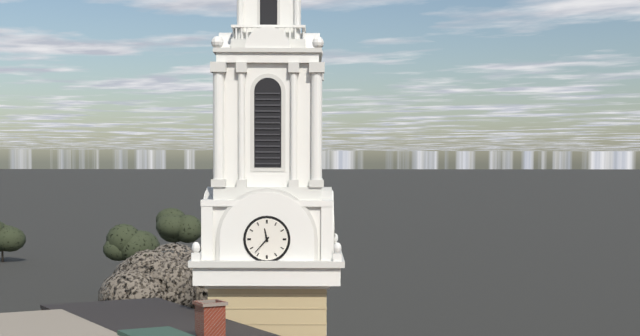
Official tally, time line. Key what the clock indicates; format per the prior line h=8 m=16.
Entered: h=11 m=37
